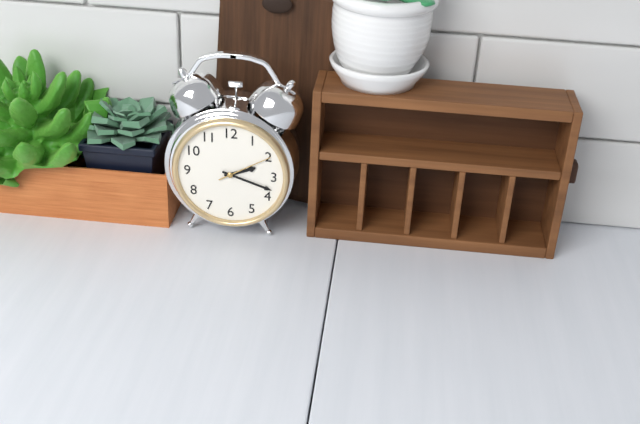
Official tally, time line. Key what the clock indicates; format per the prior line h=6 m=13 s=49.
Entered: h=2 m=18 s=10
